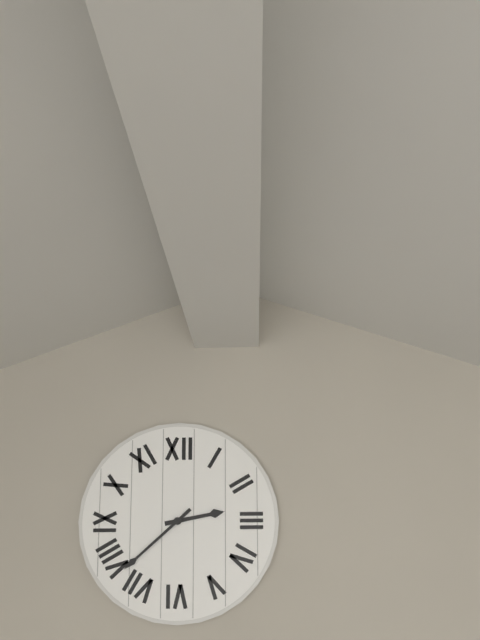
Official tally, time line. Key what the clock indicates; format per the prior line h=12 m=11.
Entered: h=2 m=38
